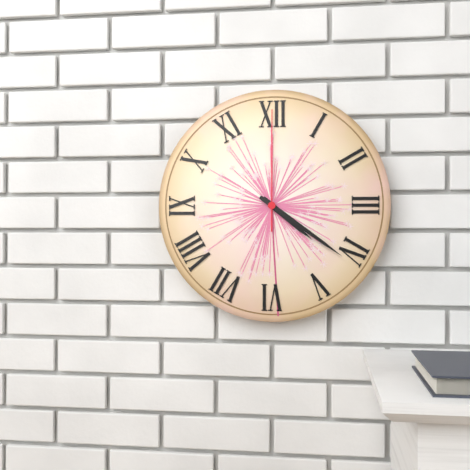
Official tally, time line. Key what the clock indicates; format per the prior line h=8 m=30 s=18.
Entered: h=4 m=21 s=0
